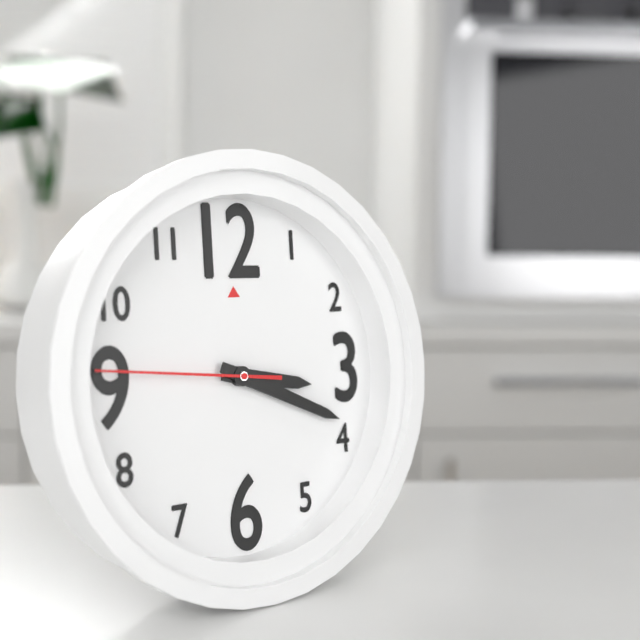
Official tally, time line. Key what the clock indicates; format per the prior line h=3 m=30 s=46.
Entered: h=3 m=19 s=46
